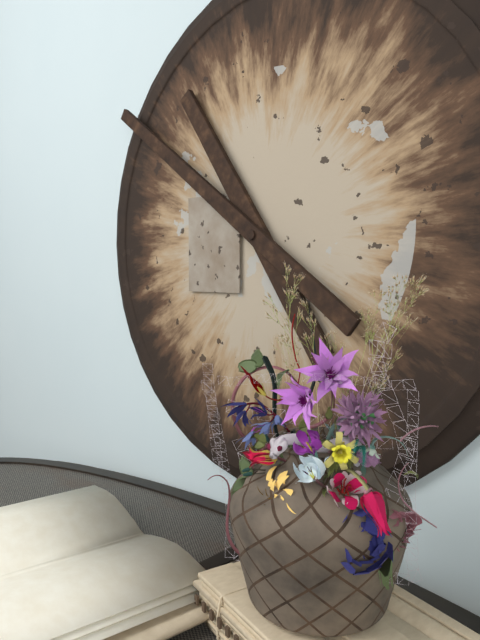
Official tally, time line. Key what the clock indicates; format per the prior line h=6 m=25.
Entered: h=10 m=51
